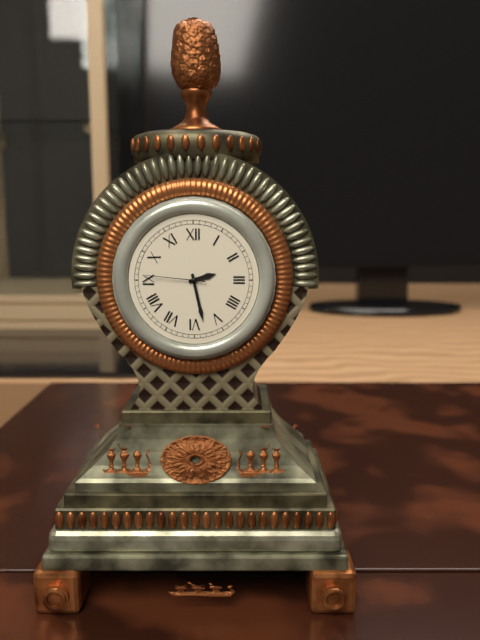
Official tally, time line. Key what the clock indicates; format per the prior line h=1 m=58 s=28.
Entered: h=2 m=28 s=46
